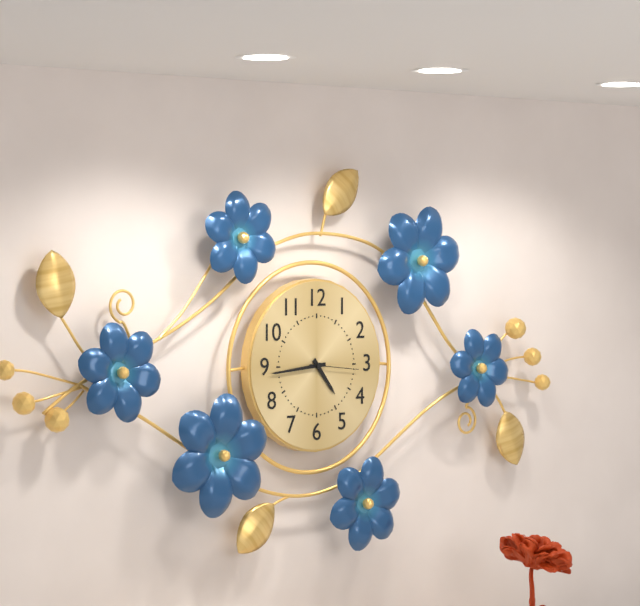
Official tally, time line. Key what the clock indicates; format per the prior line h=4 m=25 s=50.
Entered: h=4 m=44 s=16
